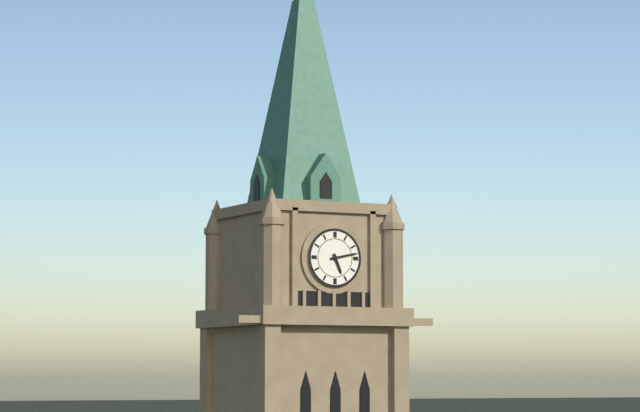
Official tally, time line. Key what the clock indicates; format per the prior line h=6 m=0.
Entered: h=5 m=13
